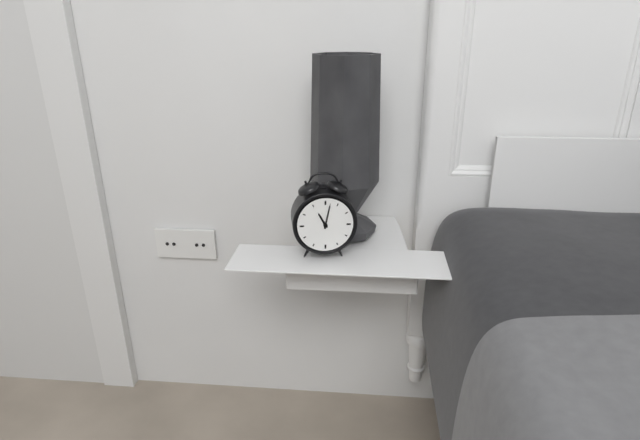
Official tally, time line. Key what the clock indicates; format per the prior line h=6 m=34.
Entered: h=11 m=2
